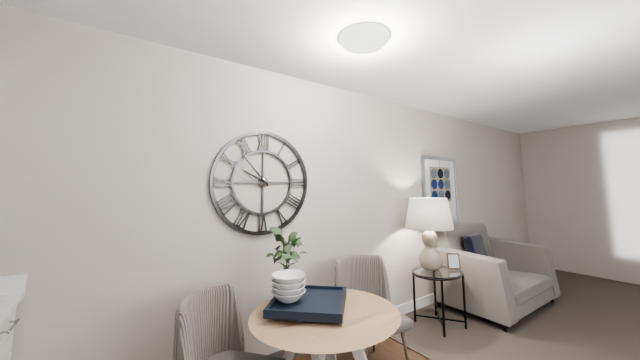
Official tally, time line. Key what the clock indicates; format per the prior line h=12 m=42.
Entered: h=9 m=53
